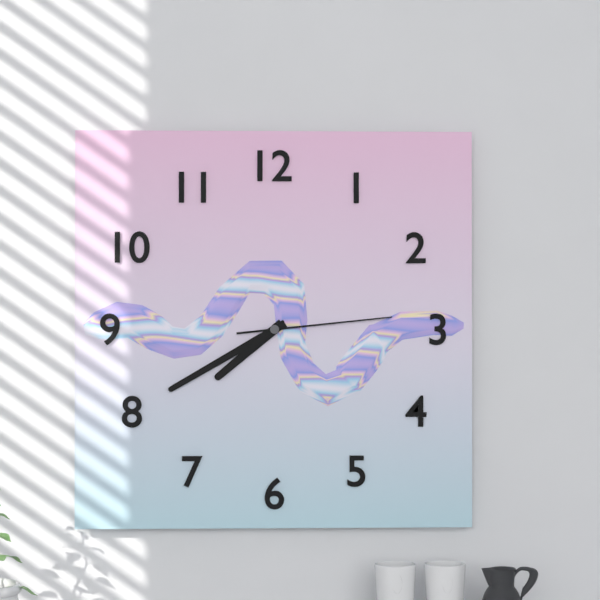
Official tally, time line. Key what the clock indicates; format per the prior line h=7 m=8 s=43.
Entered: h=7 m=40 s=14
